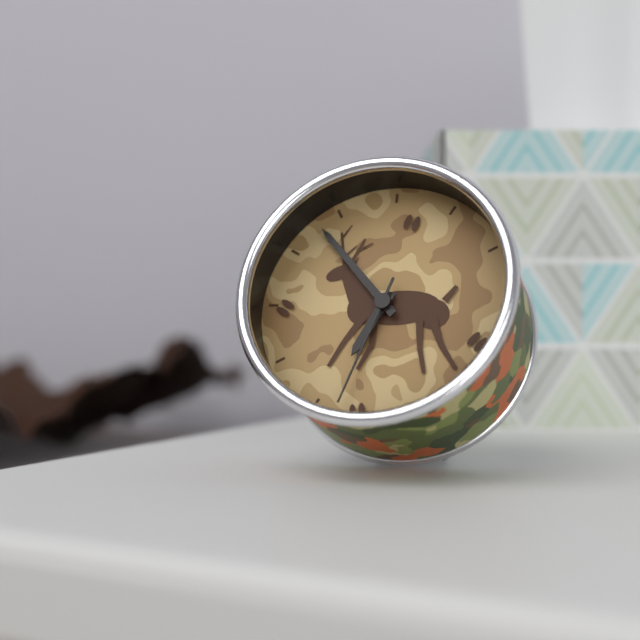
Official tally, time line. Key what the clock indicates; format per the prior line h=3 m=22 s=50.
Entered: h=6 m=53 s=33
